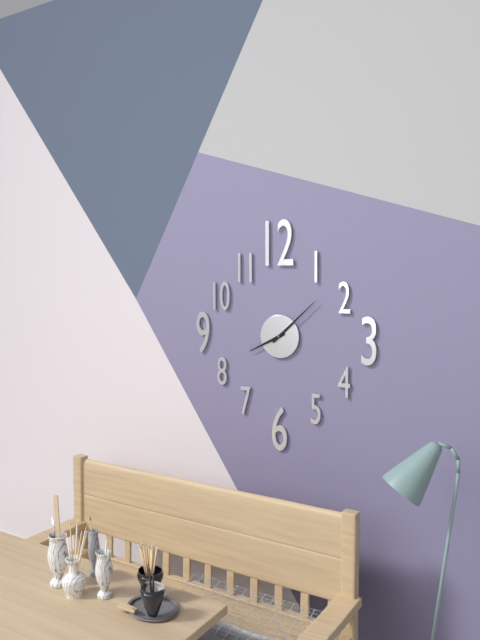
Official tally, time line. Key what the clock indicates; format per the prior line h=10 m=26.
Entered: h=8 m=8
